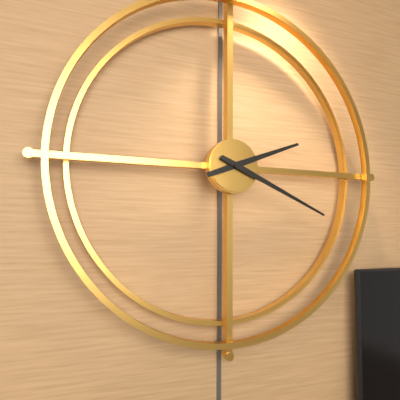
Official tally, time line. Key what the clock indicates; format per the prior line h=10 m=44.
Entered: h=2 m=19
